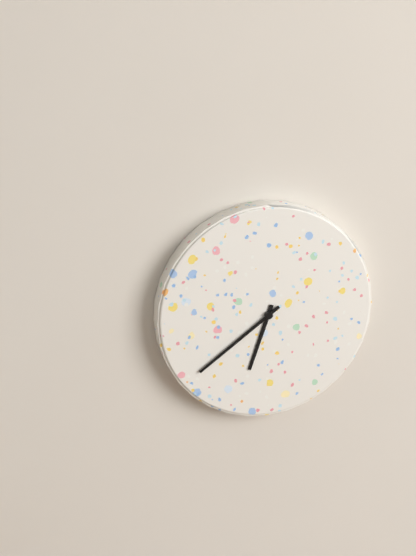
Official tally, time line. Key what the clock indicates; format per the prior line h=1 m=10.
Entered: h=6 m=39
